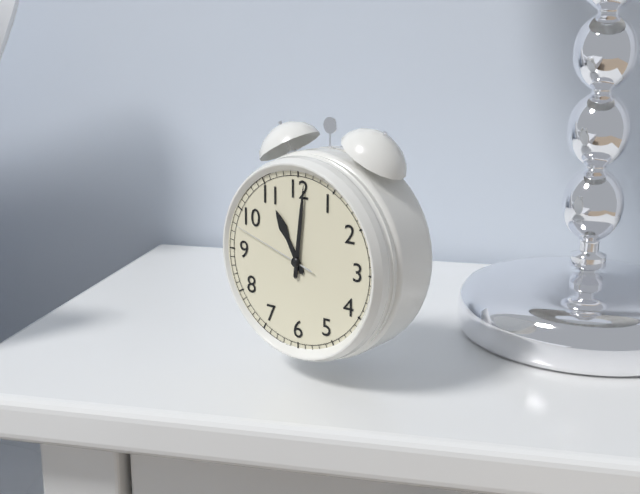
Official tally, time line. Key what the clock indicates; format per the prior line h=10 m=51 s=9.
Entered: h=11 m=1 s=48
